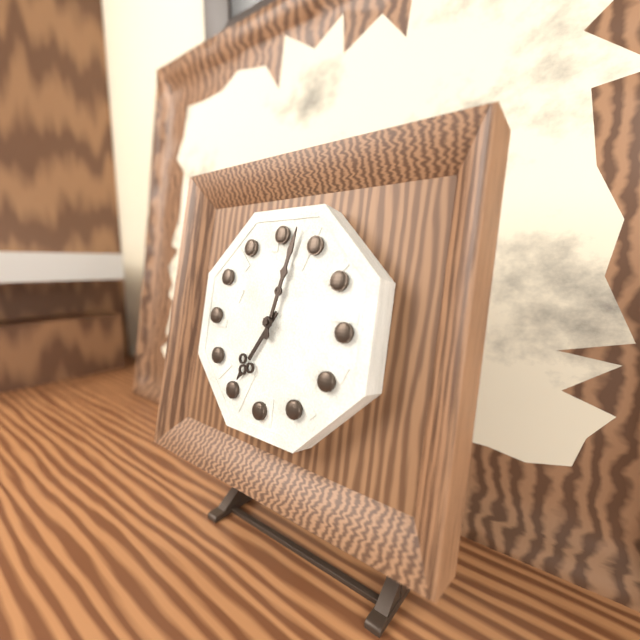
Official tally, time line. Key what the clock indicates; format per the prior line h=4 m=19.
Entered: h=7 m=2
